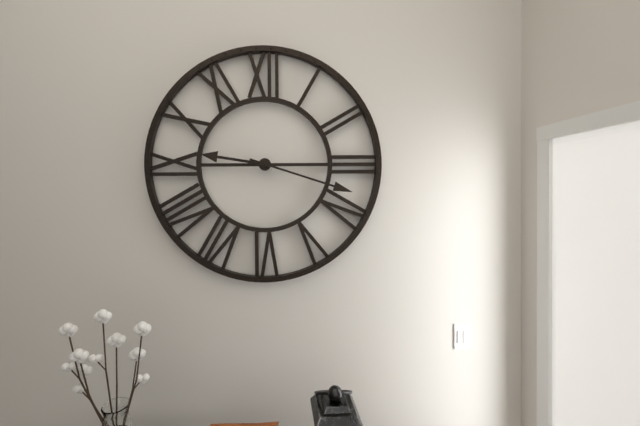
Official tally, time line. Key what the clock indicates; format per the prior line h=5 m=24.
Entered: h=9 m=18
